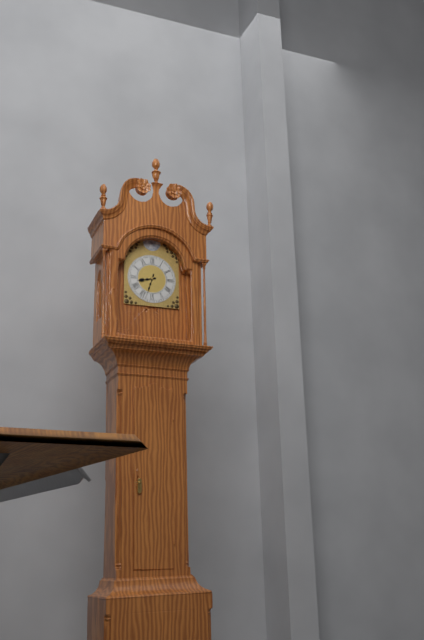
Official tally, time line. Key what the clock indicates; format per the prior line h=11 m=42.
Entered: h=8 m=33
